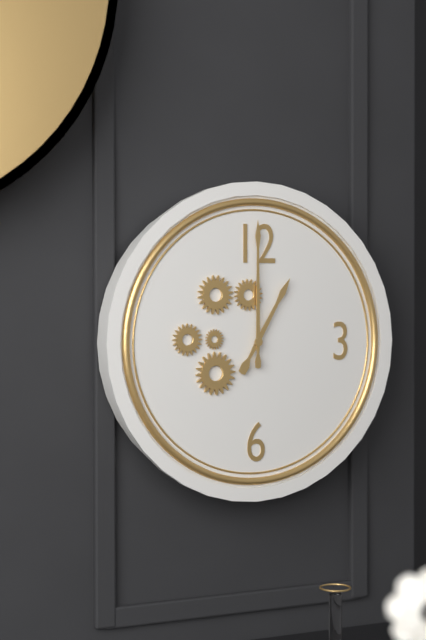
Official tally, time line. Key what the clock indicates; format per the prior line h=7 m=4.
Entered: h=1 m=0
